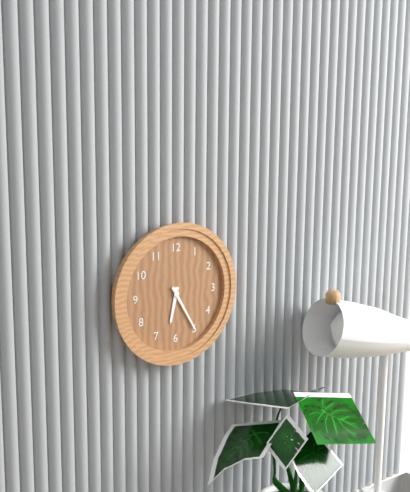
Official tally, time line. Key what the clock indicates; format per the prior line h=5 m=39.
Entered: h=6 m=25
